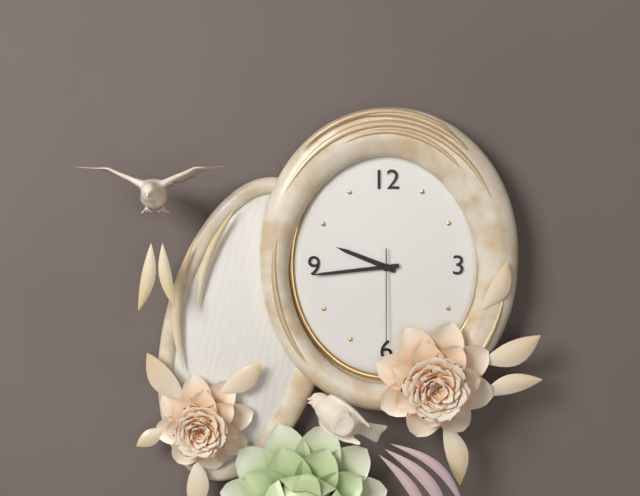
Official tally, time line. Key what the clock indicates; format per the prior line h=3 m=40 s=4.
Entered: h=9 m=44 s=30
